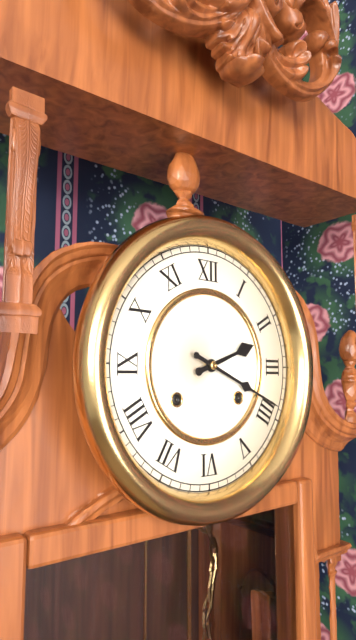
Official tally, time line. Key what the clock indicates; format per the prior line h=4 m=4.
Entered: h=2 m=19
